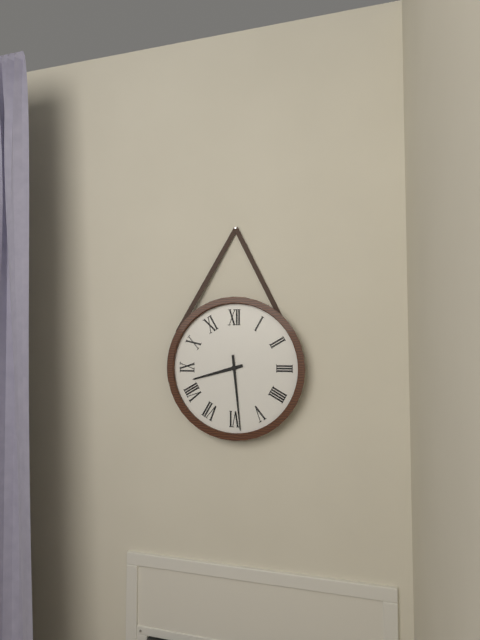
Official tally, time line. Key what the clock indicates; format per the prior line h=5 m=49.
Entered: h=8 m=29
